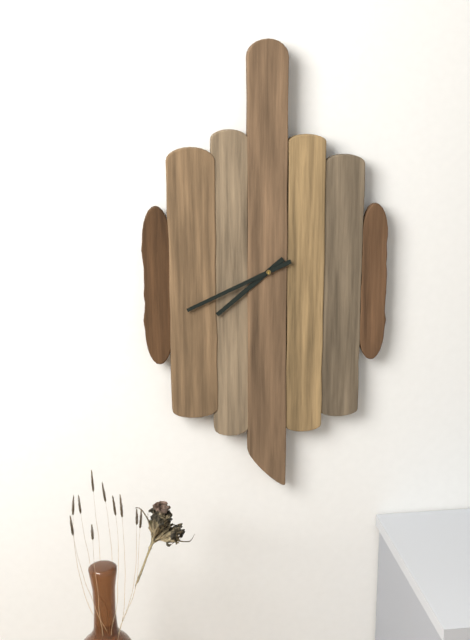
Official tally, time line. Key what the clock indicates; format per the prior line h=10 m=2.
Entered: h=7 m=41
